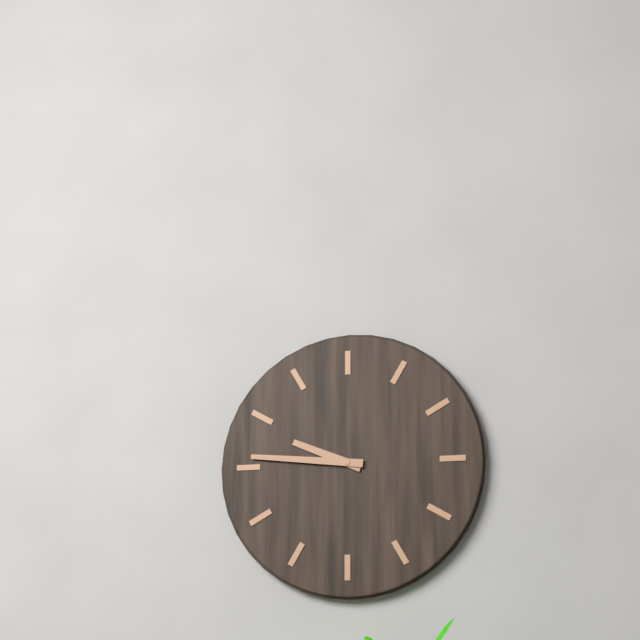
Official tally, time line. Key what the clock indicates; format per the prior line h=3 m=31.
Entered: h=9 m=46
